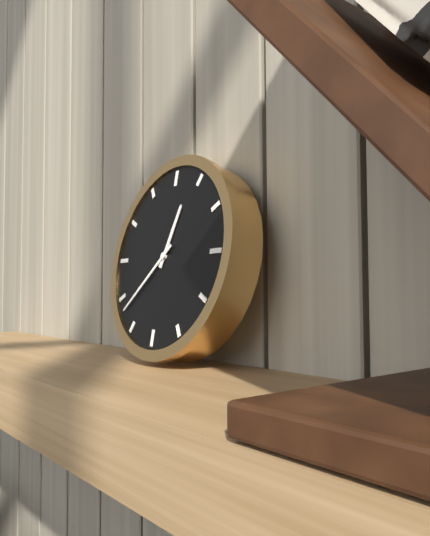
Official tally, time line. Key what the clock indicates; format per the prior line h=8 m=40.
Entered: h=12 m=38
